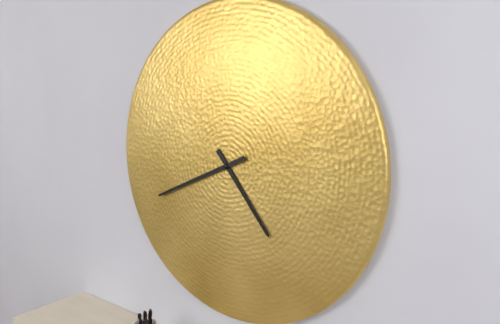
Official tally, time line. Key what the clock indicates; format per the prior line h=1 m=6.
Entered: h=4 m=41
